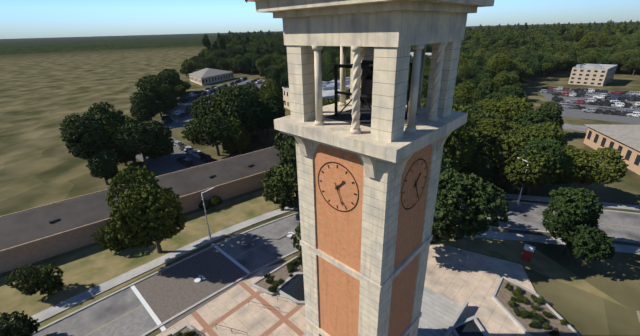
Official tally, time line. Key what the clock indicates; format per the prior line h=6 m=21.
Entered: h=1 m=26
